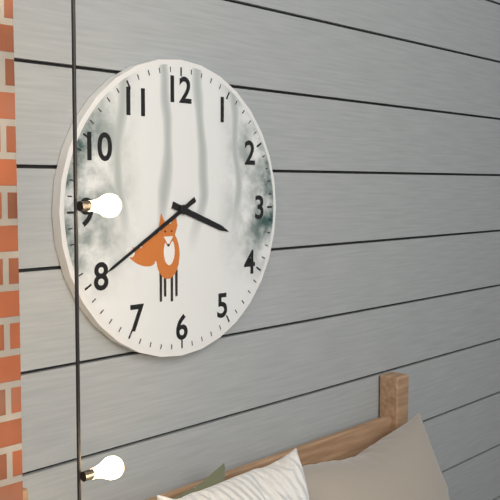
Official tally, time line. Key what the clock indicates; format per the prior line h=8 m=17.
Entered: h=3 m=40
